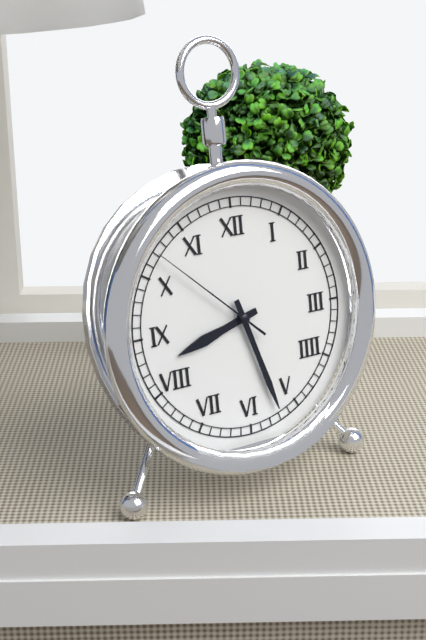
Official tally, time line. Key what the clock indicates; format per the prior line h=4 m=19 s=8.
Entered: h=8 m=27 s=52
